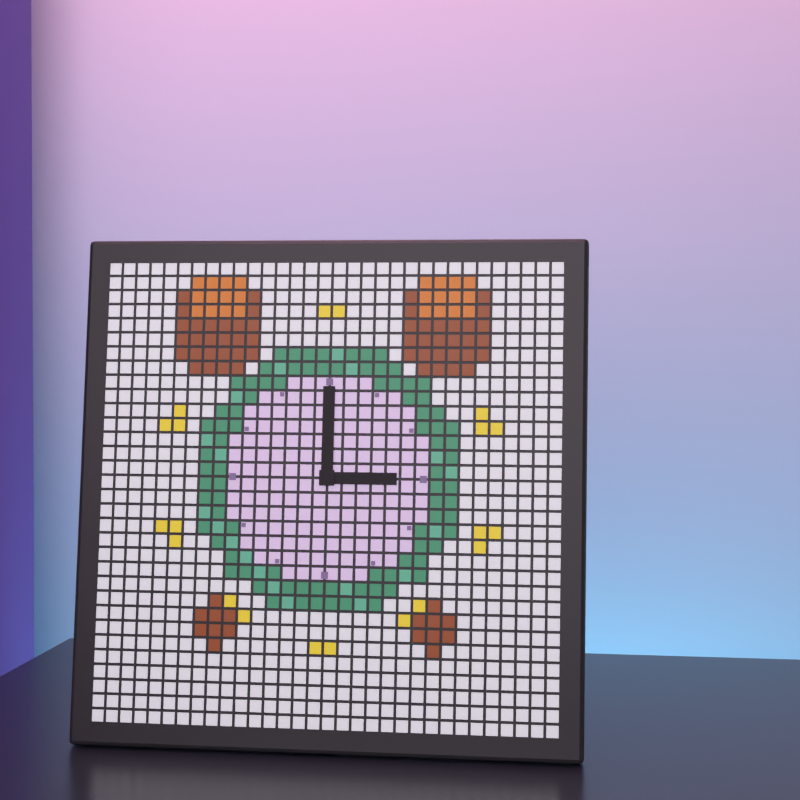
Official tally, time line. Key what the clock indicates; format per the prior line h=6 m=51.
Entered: h=3 m=0
